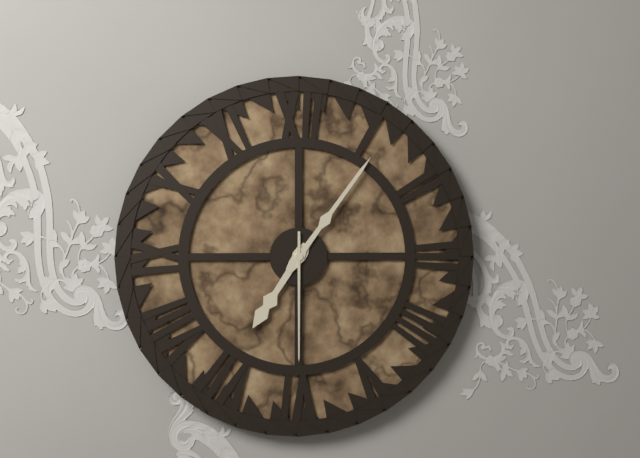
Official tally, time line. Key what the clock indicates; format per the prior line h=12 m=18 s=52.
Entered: h=7 m=6 s=30
